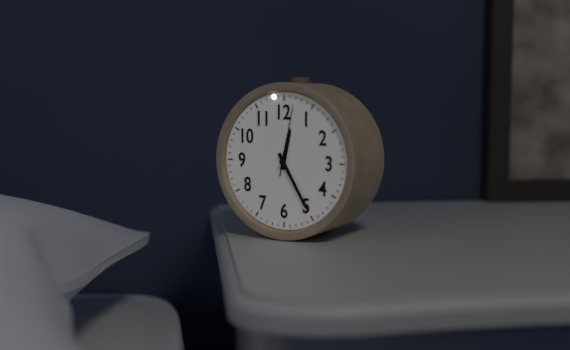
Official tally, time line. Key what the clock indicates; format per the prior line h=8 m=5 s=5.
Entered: h=12 m=25 s=2
